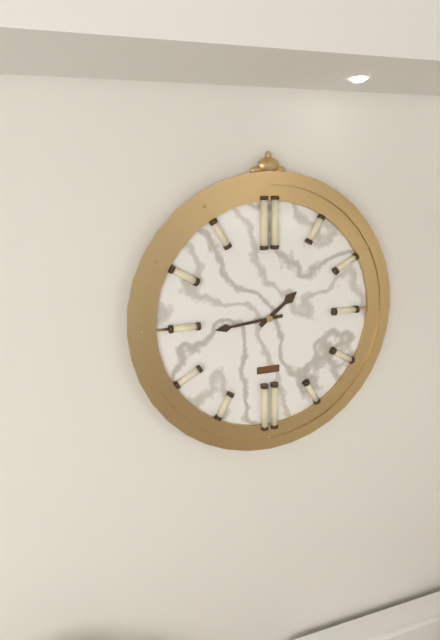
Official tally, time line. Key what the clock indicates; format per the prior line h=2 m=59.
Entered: h=1 m=44
